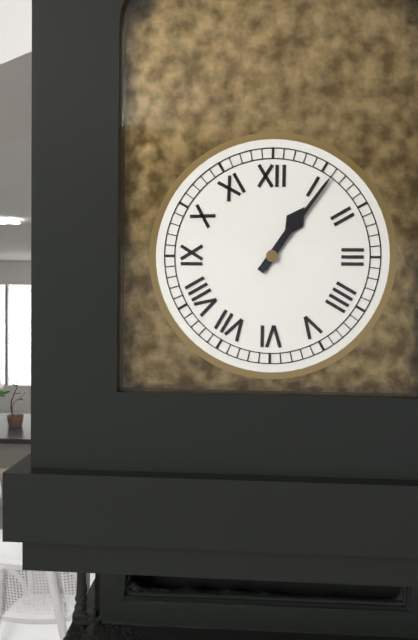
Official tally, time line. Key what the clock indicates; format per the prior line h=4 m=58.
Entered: h=1 m=6
